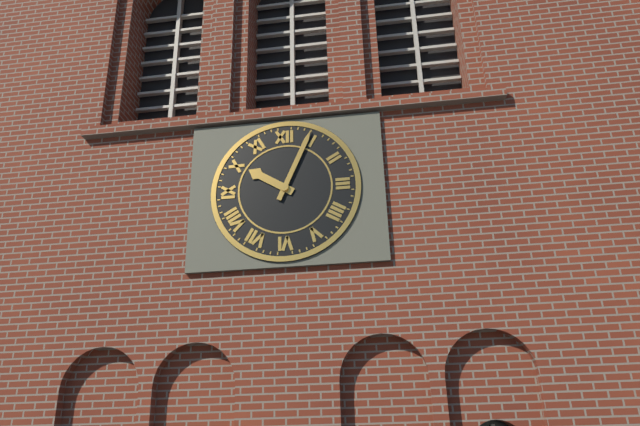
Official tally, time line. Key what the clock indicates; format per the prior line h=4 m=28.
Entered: h=10 m=4
